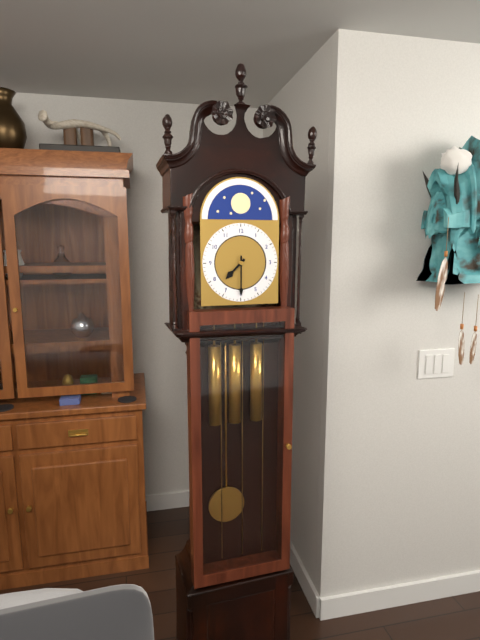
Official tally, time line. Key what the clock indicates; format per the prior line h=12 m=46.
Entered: h=7 m=30
